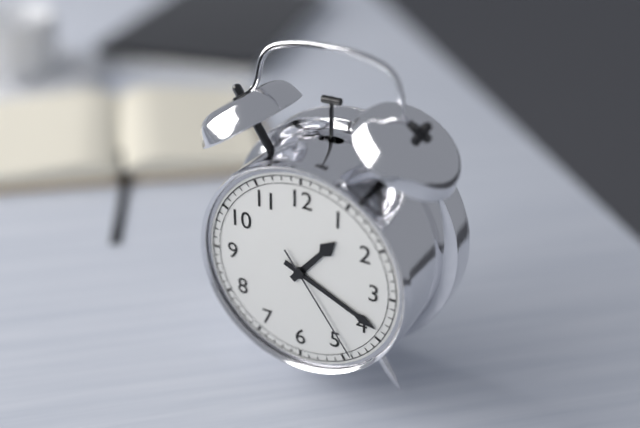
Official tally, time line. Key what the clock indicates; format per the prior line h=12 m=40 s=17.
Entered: h=1 m=19 s=24
